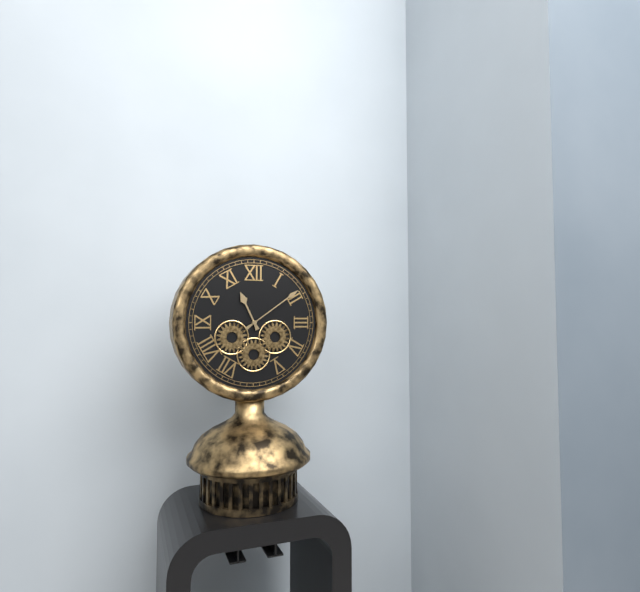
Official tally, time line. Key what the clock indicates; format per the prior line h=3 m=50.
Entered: h=11 m=9
